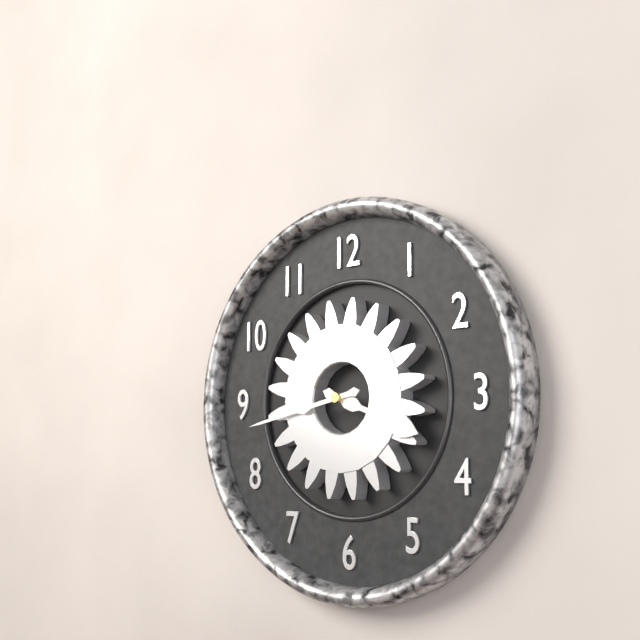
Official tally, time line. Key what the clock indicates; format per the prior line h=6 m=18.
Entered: h=3 m=43
